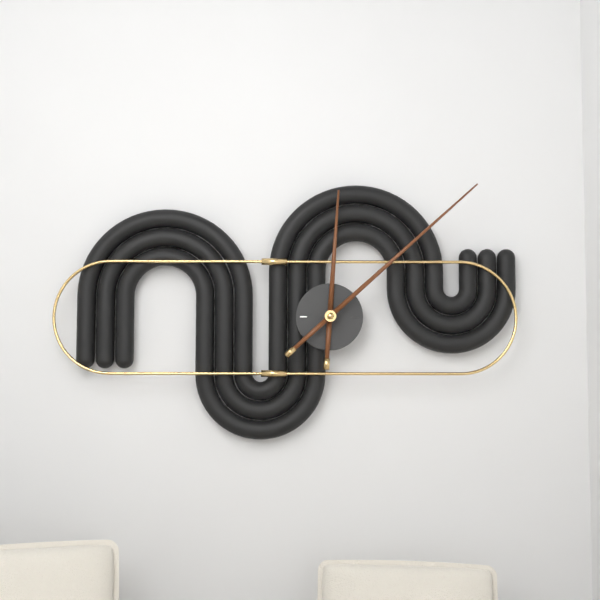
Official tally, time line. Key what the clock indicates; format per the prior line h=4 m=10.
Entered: h=12 m=8
